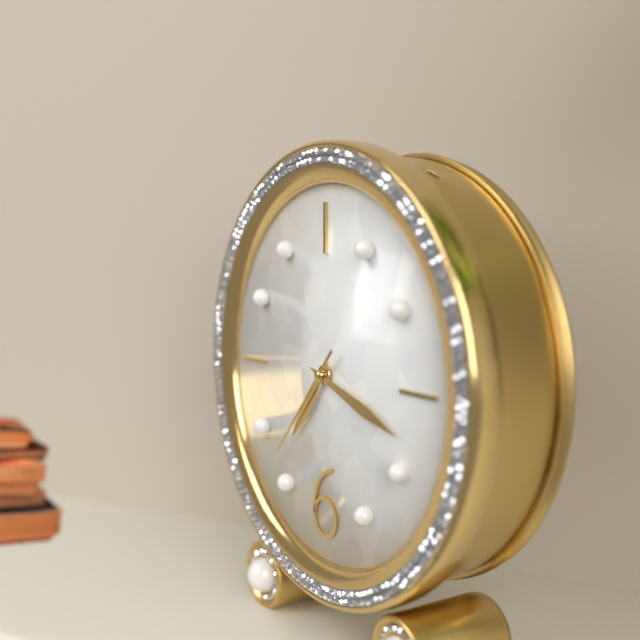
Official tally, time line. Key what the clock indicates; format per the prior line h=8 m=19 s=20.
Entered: h=7 m=18 s=37
